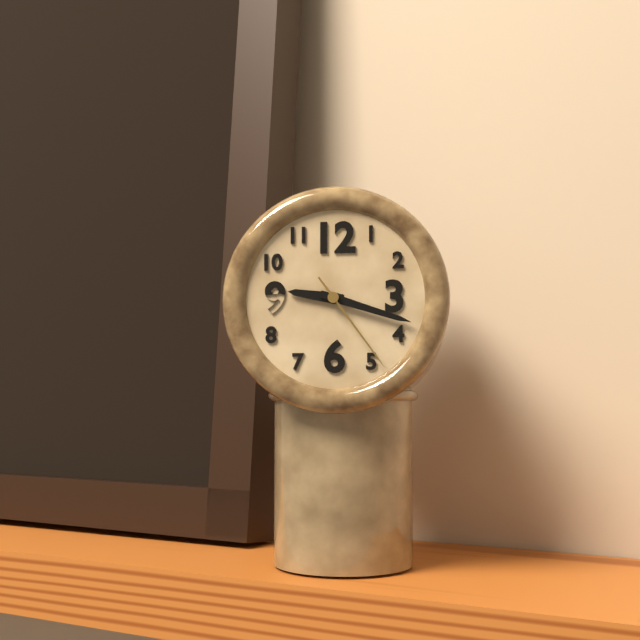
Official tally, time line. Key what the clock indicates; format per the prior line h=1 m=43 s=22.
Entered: h=9 m=18 s=24
